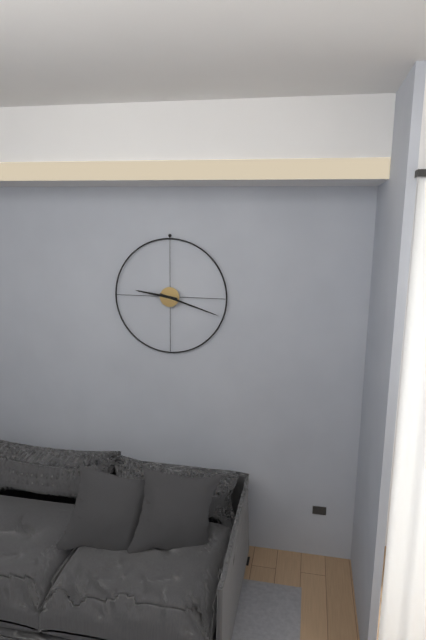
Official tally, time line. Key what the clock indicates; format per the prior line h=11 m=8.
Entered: h=9 m=18
